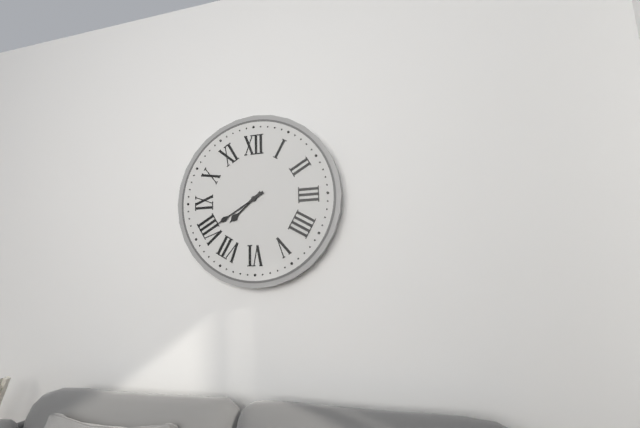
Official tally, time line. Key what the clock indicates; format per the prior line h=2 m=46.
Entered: h=7 m=40
